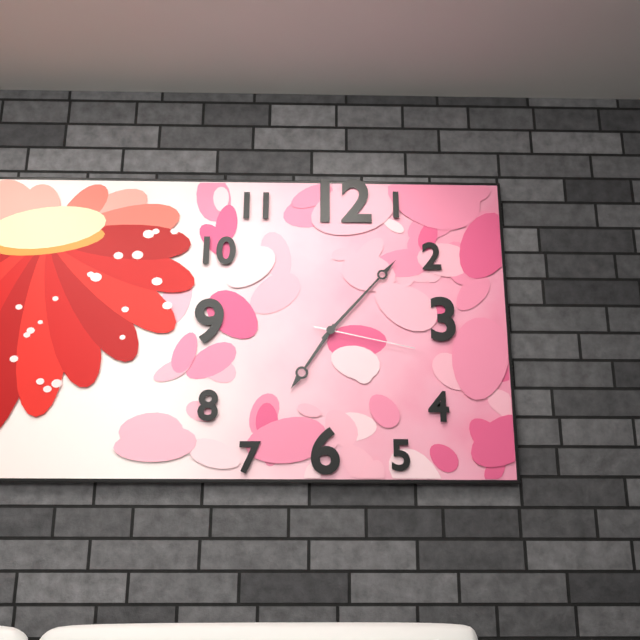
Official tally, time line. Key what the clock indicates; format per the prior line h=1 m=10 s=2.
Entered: h=7 m=7 s=17
